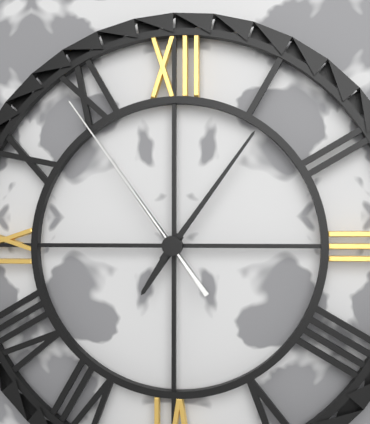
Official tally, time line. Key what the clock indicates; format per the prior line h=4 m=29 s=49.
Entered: h=7 m=6 s=54
